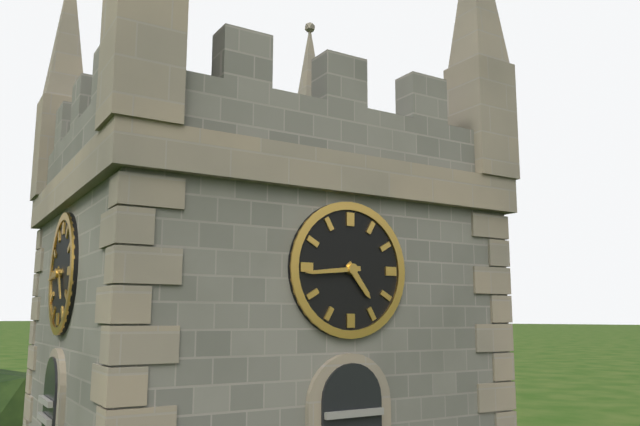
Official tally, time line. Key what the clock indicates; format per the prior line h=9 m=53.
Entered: h=4 m=44
